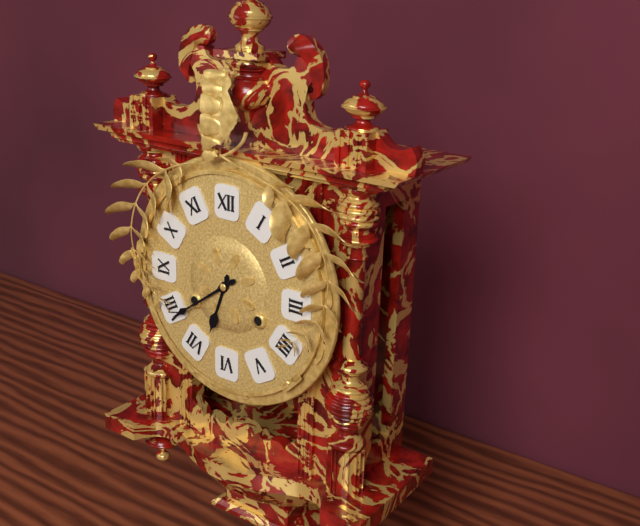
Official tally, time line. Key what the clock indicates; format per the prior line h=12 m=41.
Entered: h=6 m=39
